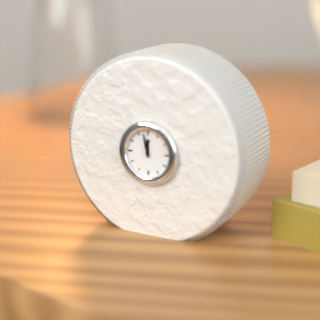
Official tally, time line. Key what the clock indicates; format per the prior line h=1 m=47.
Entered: h=11 m=58
